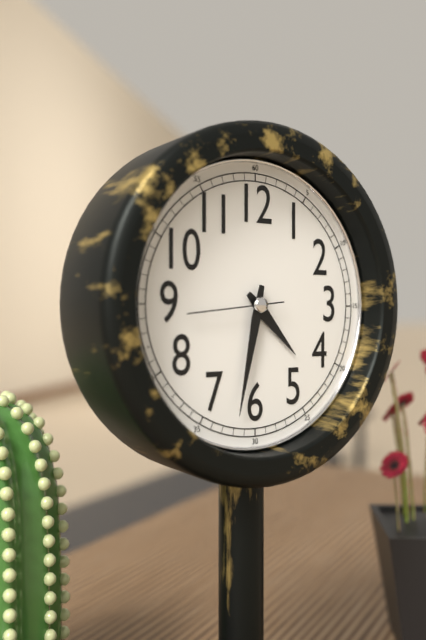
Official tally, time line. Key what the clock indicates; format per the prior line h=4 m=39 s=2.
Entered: h=4 m=32 s=44
